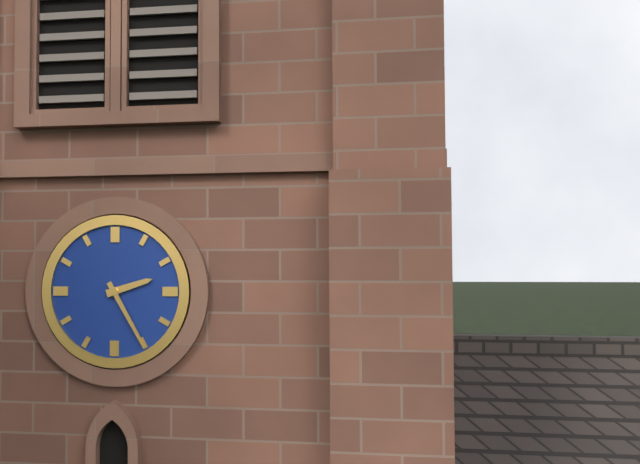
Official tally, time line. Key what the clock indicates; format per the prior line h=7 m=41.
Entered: h=2 m=25
